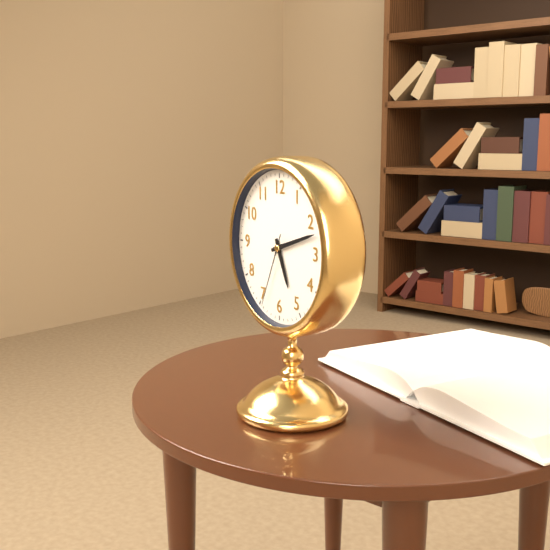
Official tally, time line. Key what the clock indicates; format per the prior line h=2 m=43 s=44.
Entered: h=5 m=12 s=34
